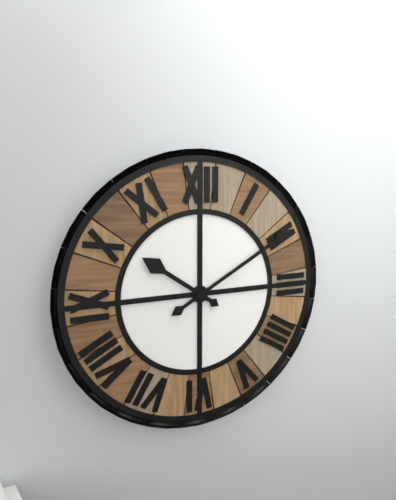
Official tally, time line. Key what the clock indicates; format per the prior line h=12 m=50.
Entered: h=10 m=10
